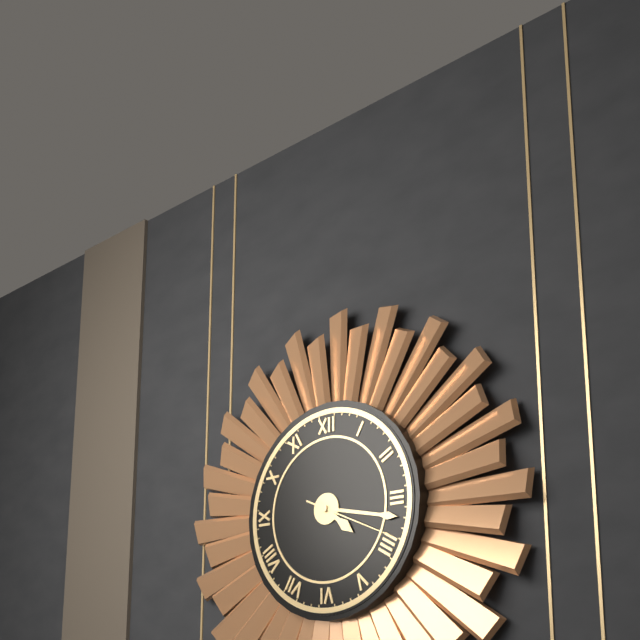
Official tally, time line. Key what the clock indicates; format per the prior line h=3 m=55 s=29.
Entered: h=4 m=17 s=19
